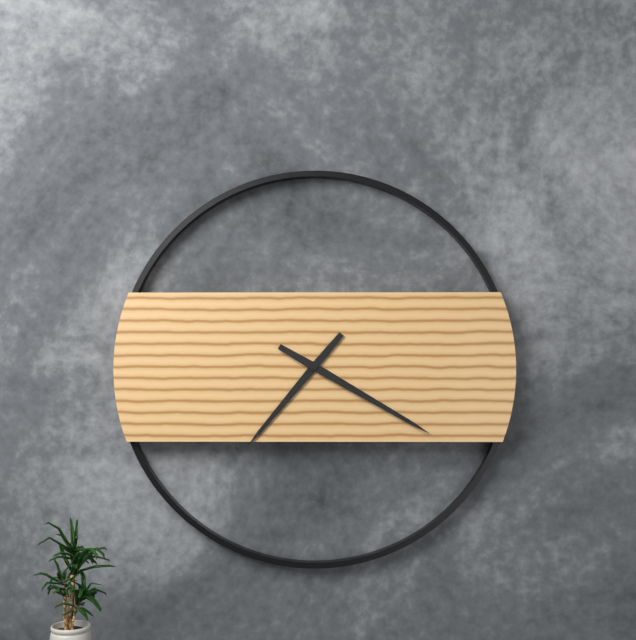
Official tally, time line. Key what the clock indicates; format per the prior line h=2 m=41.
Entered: h=7 m=20
